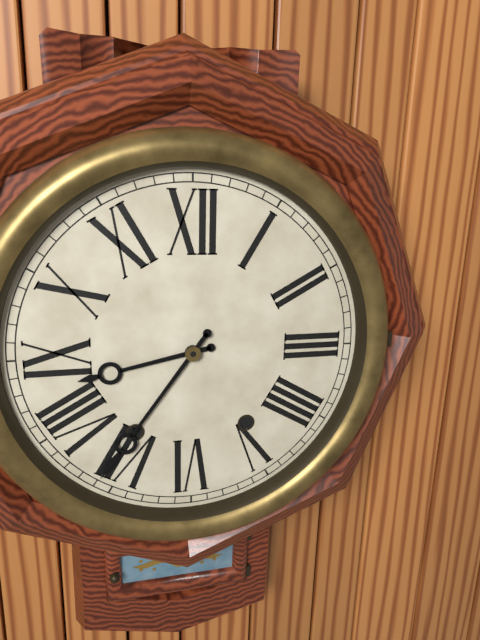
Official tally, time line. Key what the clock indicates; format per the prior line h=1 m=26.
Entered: h=8 m=36
